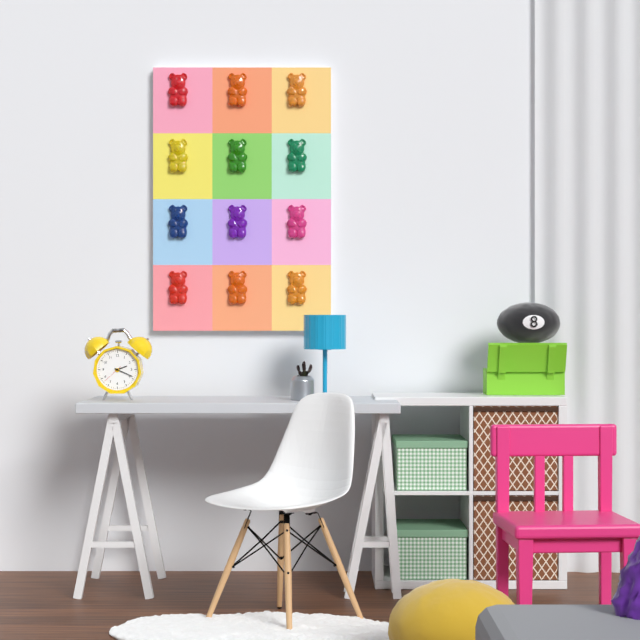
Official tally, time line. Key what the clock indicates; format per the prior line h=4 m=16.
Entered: h=2 m=19
